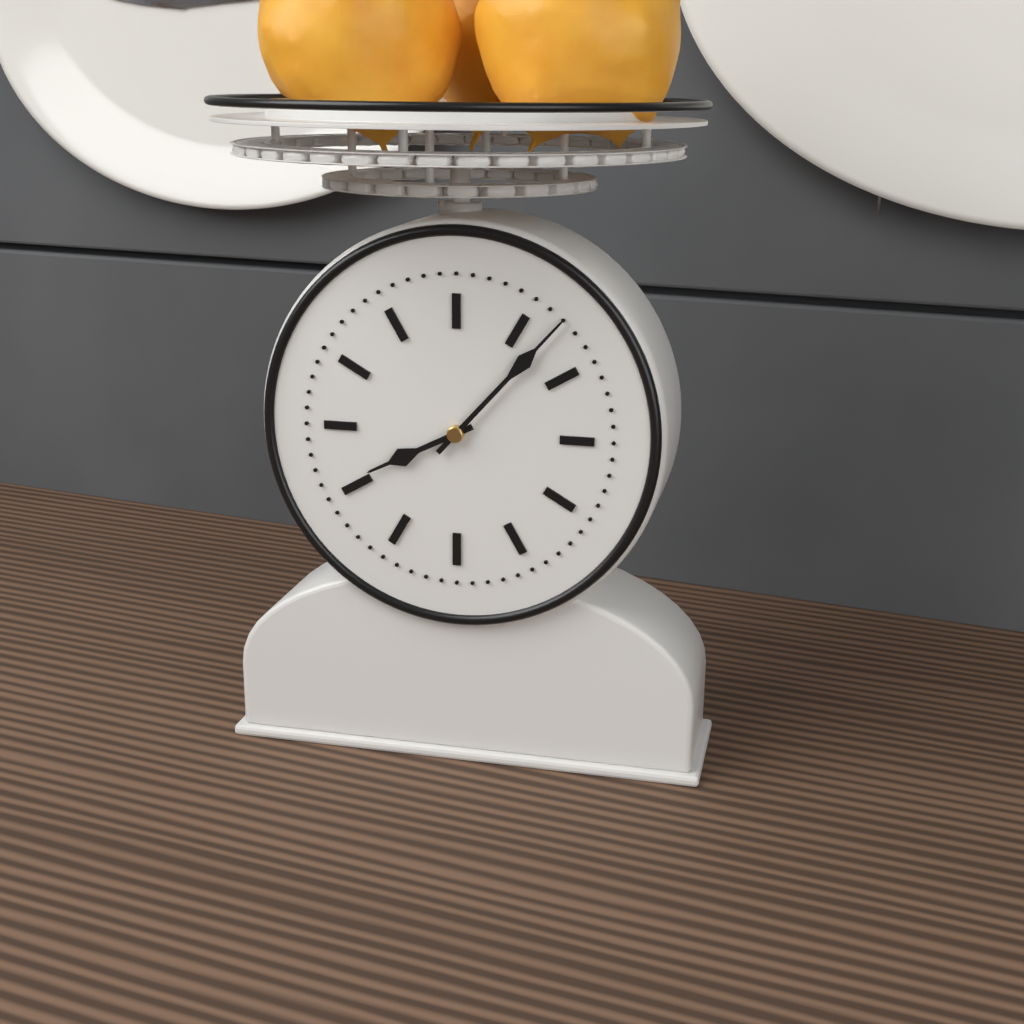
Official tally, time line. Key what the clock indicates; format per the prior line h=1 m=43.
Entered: h=8 m=7
